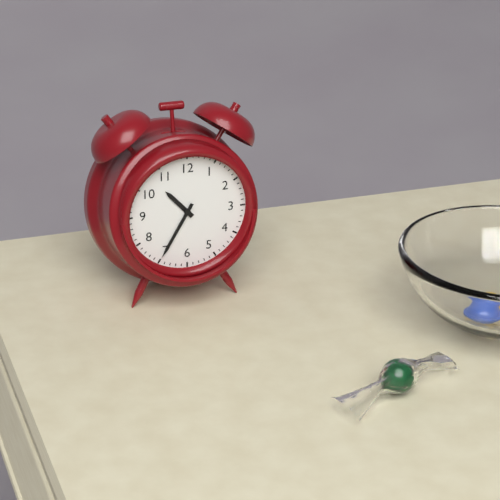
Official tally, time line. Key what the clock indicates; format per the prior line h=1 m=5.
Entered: h=10 m=35
